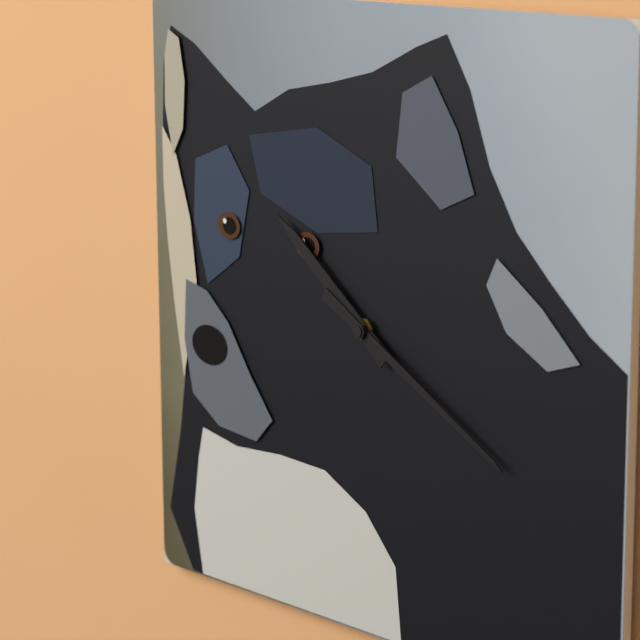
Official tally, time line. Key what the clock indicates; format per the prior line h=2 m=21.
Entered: h=10 m=20
